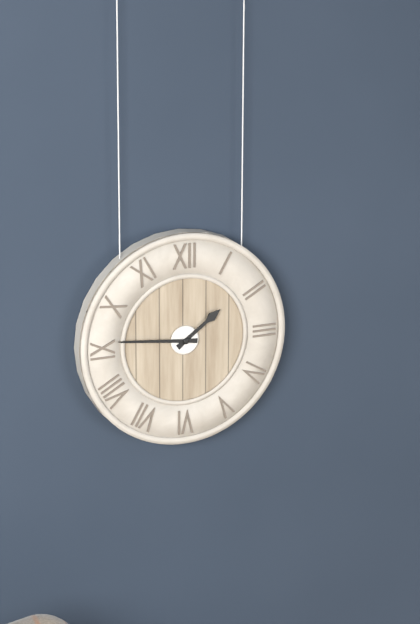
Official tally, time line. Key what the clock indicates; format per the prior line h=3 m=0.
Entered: h=1 m=46
